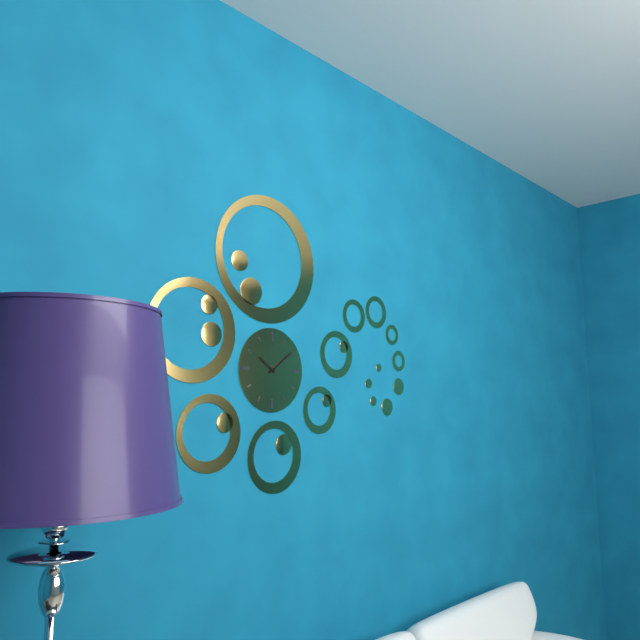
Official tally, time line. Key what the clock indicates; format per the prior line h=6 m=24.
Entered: h=10 m=9
